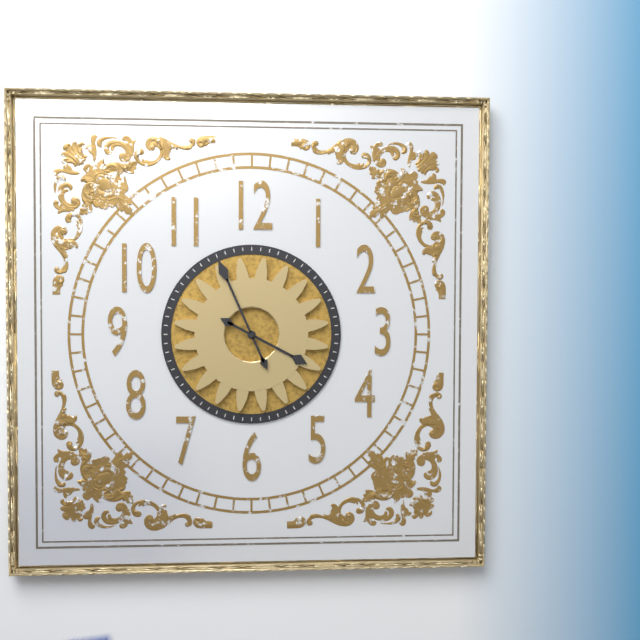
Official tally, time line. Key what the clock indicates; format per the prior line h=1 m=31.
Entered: h=3 m=56
